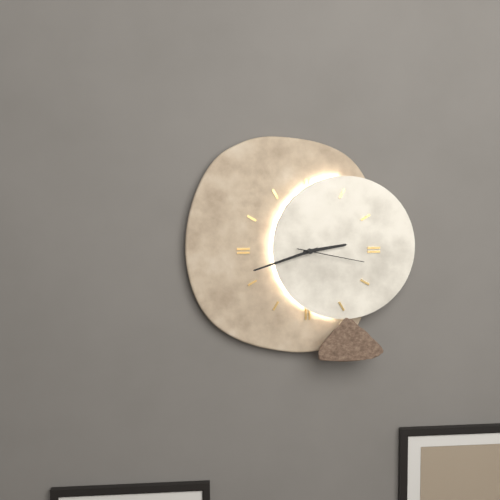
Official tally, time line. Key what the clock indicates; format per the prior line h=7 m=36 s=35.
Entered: h=2 m=42 s=17
